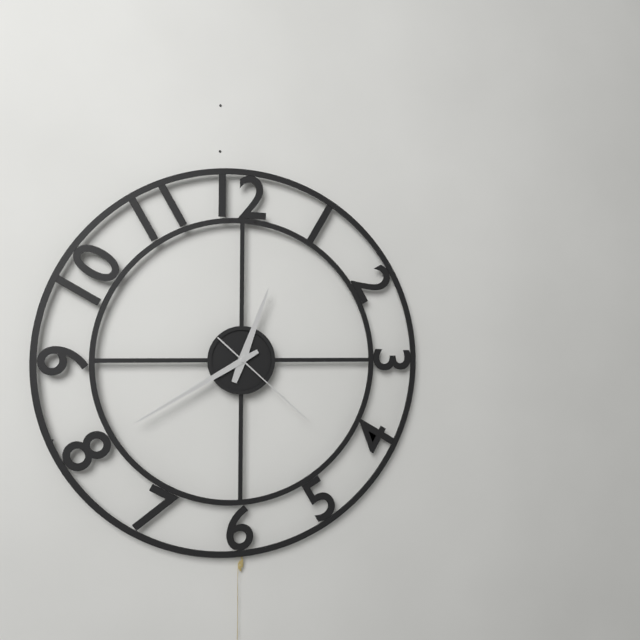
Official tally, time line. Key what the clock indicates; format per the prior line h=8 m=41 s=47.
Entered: h=12 m=40 s=22
